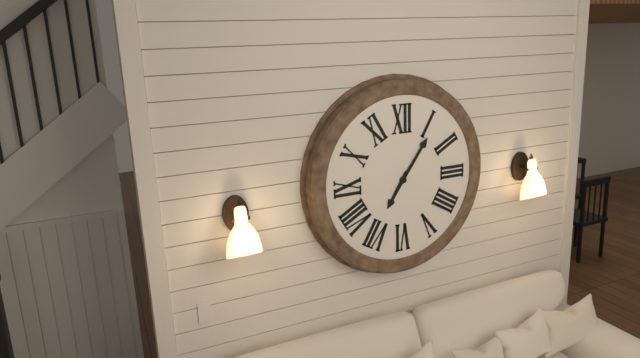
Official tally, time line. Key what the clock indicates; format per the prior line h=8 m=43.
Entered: h=7 m=6
